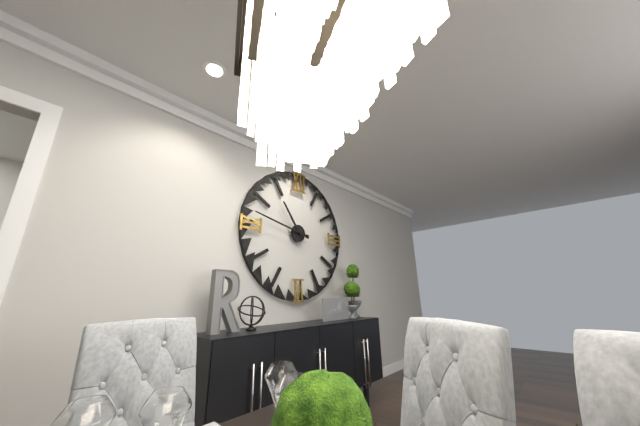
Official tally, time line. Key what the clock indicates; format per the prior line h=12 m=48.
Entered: h=10 m=47
